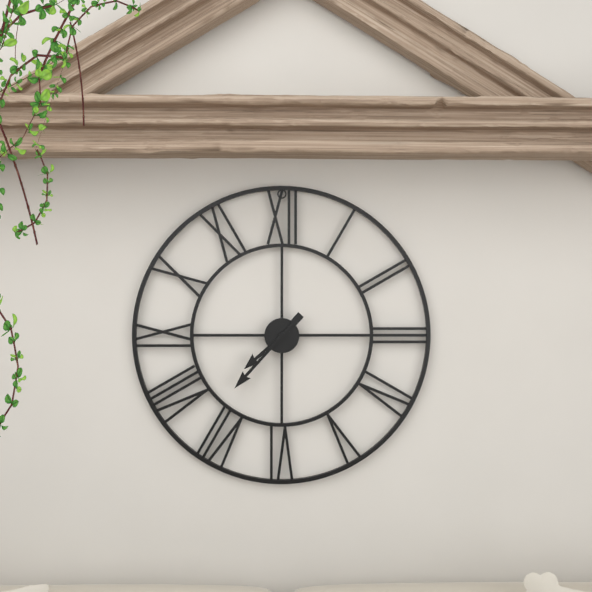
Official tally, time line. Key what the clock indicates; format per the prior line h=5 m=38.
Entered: h=7 m=37
